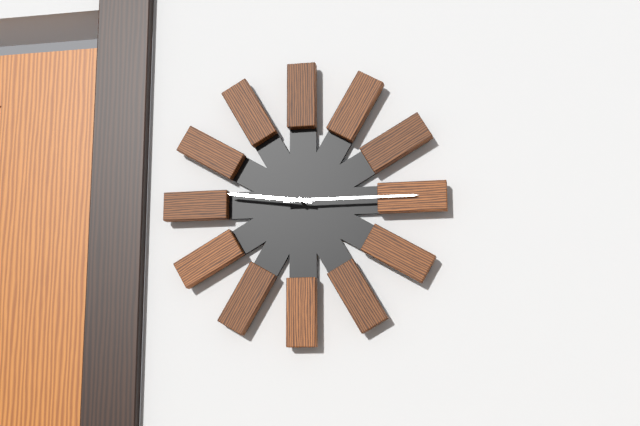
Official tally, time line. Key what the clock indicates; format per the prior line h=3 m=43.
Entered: h=9 m=15
